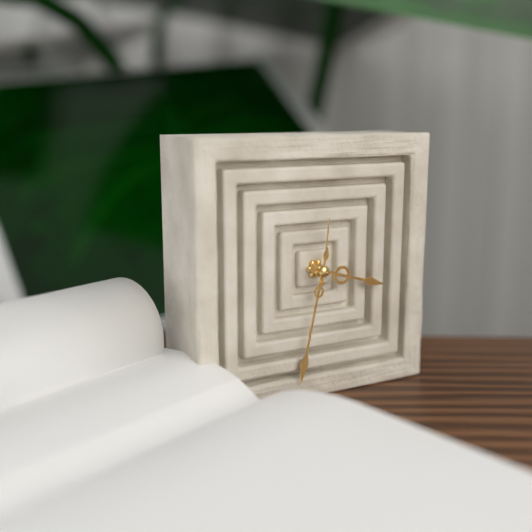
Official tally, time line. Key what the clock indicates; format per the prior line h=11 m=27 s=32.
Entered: h=3 m=32 s=1
